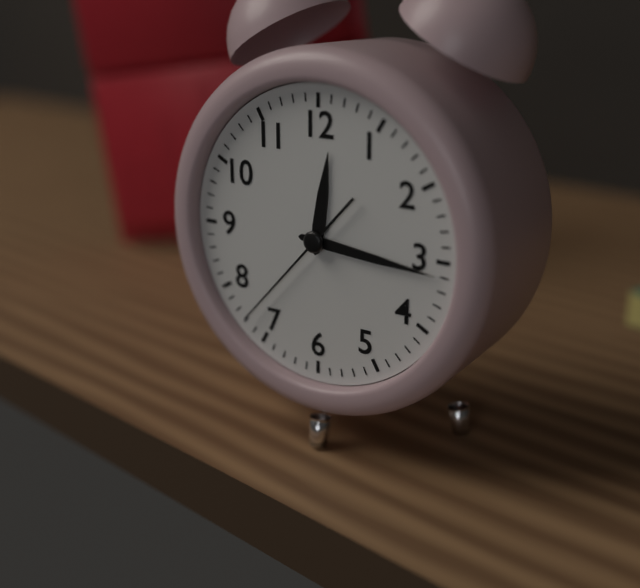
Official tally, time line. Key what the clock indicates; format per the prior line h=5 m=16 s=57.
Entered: h=12 m=16 s=37
